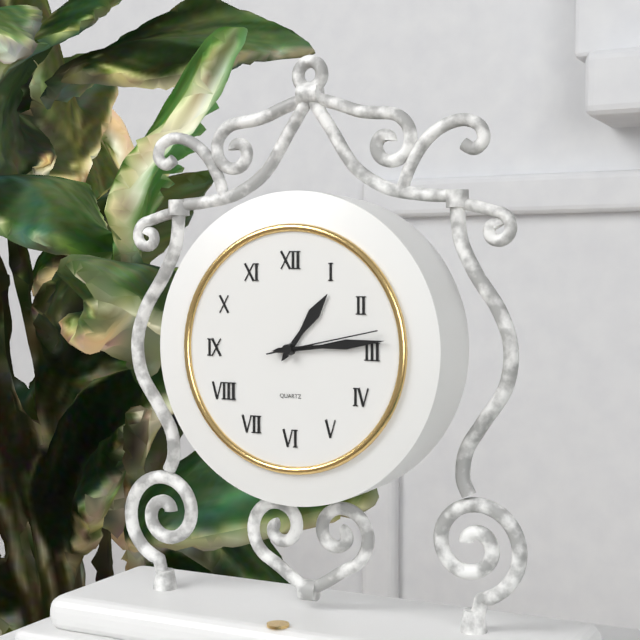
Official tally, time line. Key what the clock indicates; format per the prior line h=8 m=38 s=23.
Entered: h=1 m=14 s=13
